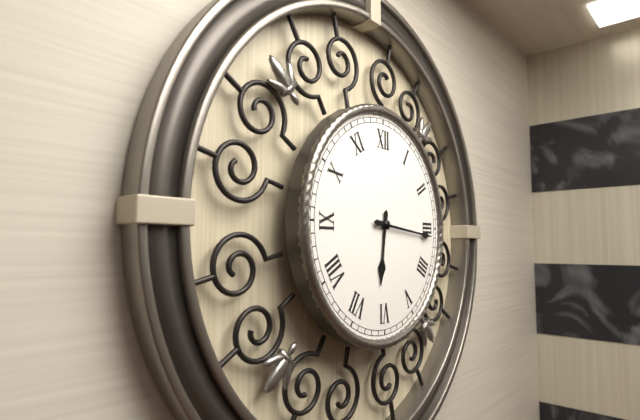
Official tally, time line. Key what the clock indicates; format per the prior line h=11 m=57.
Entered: h=6 m=16
